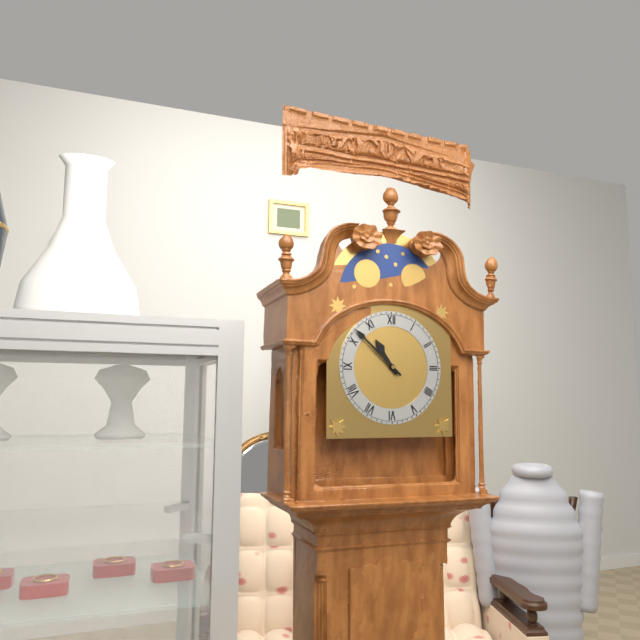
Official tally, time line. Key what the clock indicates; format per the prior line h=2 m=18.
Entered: h=10 m=52
